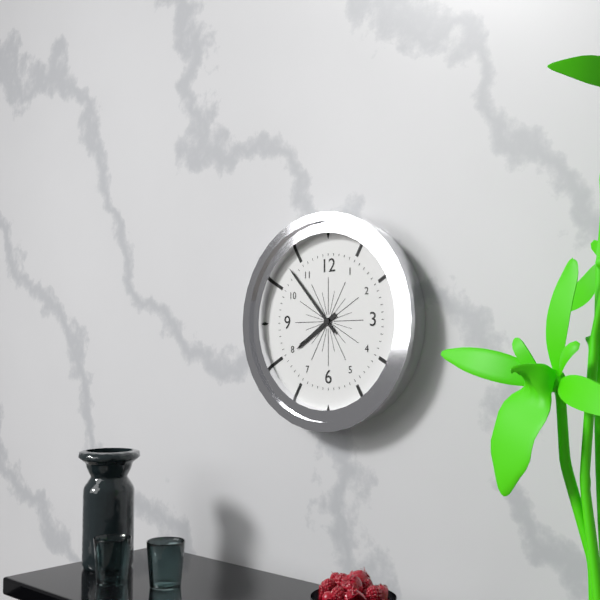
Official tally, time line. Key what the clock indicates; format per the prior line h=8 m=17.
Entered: h=7 m=53
